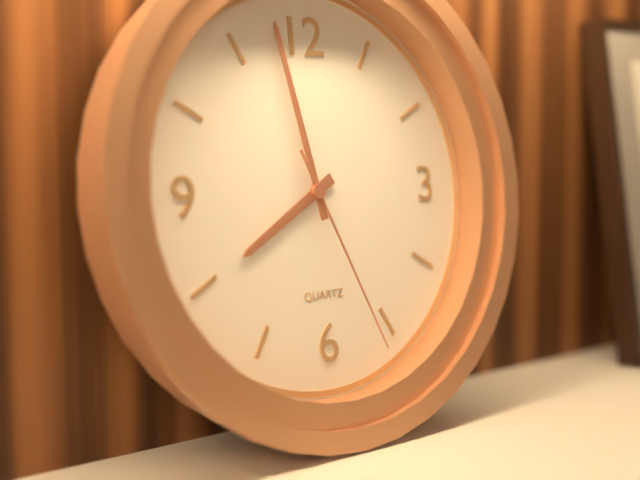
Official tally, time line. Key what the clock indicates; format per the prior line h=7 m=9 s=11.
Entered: h=7 m=58 s=26
